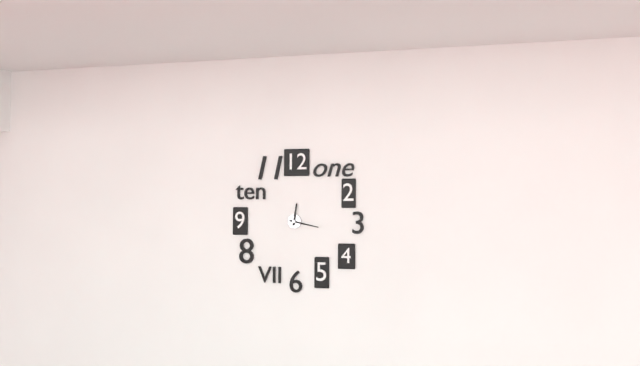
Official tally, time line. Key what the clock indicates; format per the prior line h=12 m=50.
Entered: h=12 m=17
